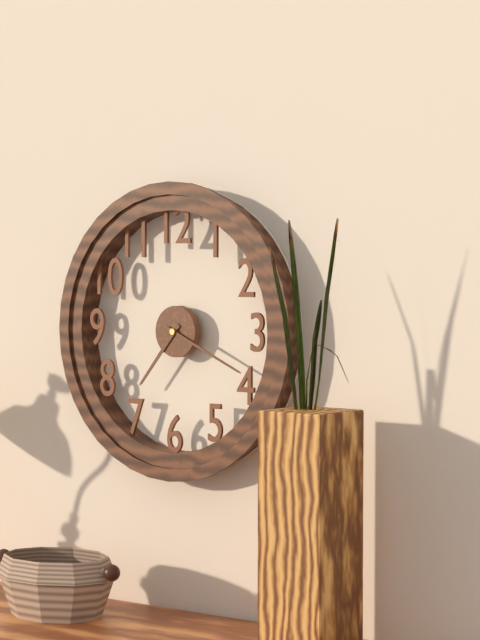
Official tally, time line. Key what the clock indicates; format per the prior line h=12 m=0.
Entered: h=7 m=19
